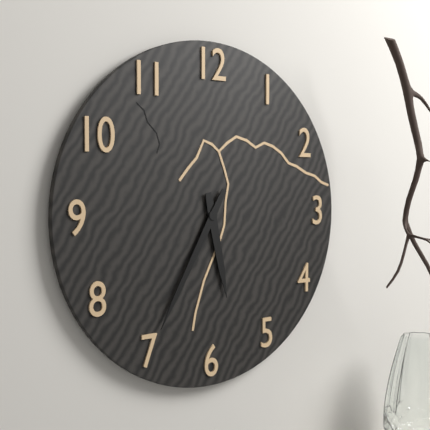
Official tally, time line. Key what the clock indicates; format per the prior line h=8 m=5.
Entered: h=5 m=35
